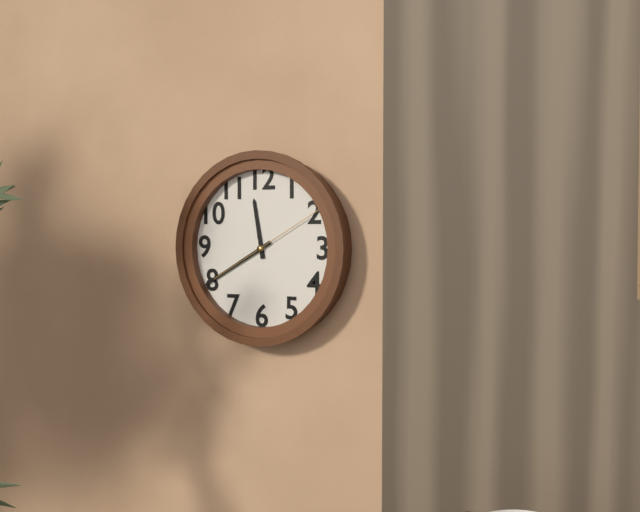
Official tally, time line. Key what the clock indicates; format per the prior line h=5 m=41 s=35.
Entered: h=11 m=40 s=10
